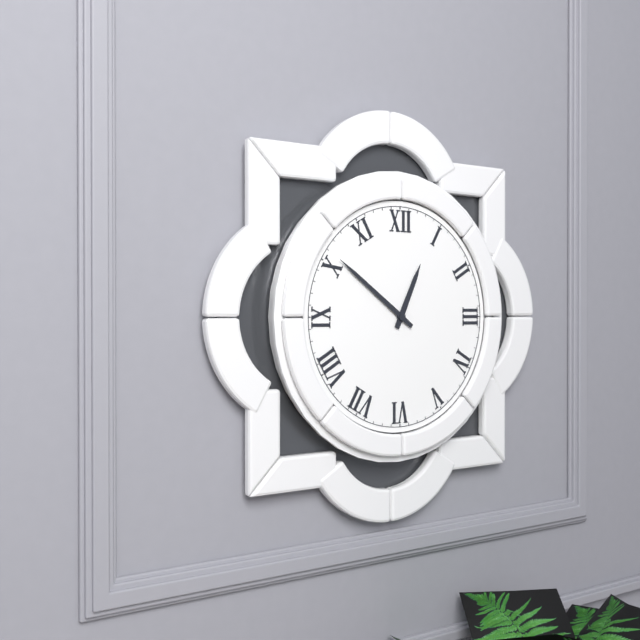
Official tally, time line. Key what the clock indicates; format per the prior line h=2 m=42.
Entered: h=12 m=51
